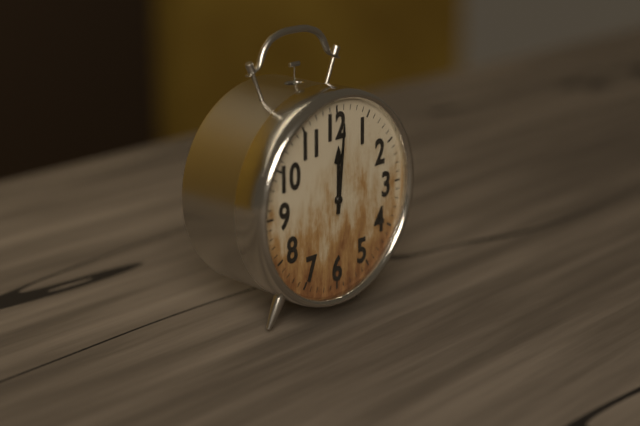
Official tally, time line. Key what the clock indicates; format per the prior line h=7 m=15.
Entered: h=12 m=1
